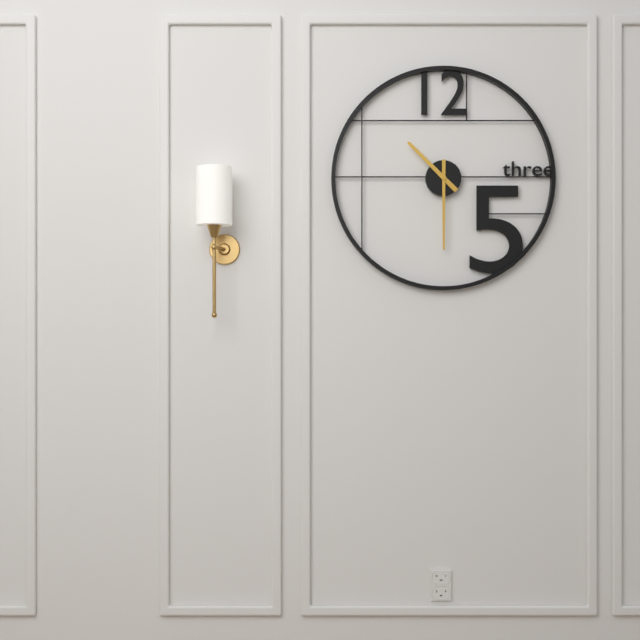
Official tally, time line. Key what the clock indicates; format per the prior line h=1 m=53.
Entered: h=10 m=30
